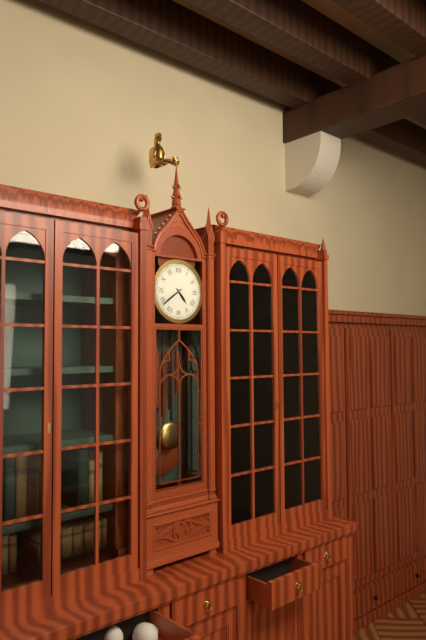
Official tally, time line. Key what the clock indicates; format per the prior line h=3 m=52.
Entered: h=4 m=39
